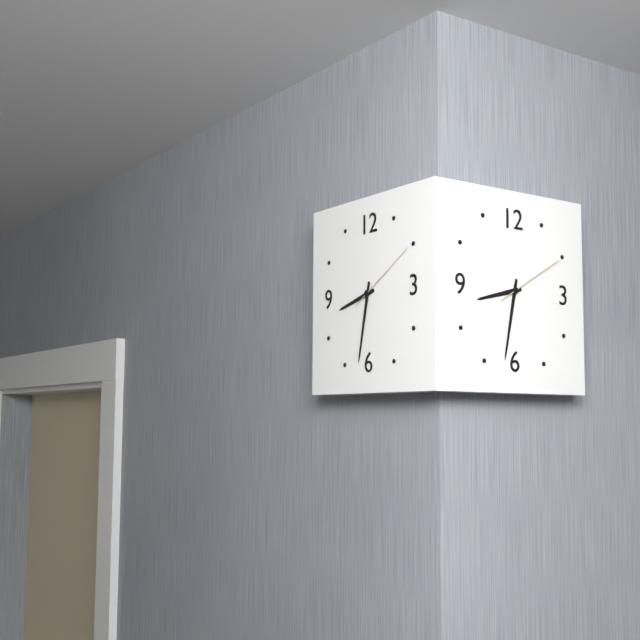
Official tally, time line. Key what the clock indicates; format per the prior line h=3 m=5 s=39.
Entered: h=8 m=32 s=10
